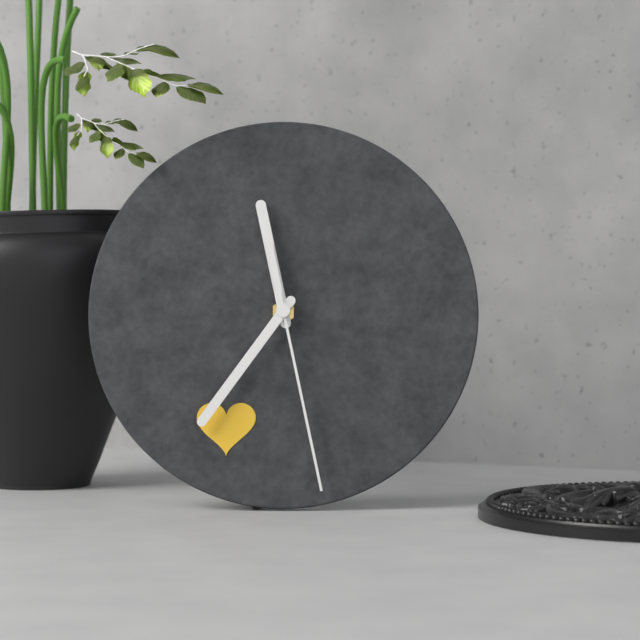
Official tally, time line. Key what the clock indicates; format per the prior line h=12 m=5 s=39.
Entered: h=11 m=36 s=28
